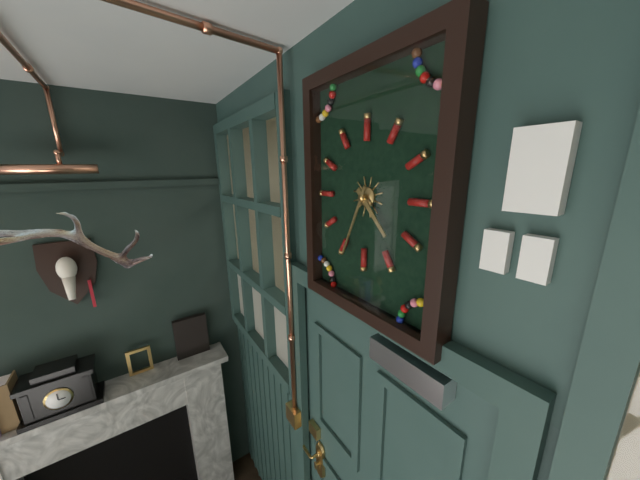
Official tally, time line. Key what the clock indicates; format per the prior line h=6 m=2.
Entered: h=4 m=34
